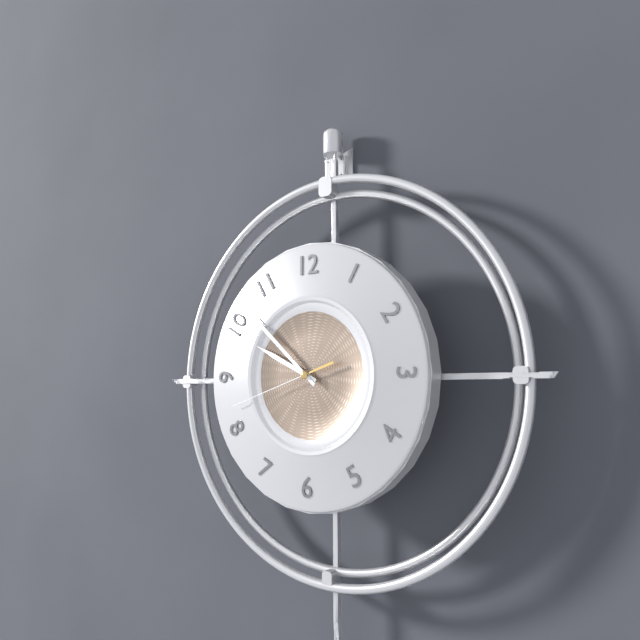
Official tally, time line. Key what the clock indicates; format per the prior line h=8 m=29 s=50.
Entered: h=9 m=52 s=42
